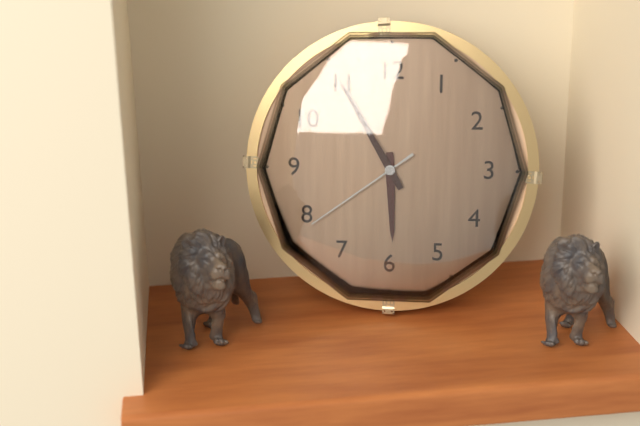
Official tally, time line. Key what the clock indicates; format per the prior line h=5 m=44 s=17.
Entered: h=5 m=55 s=39
